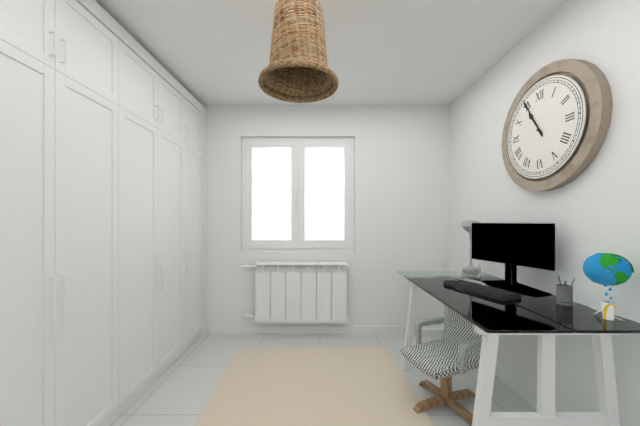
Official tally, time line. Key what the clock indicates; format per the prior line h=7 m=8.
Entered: h=10 m=55
